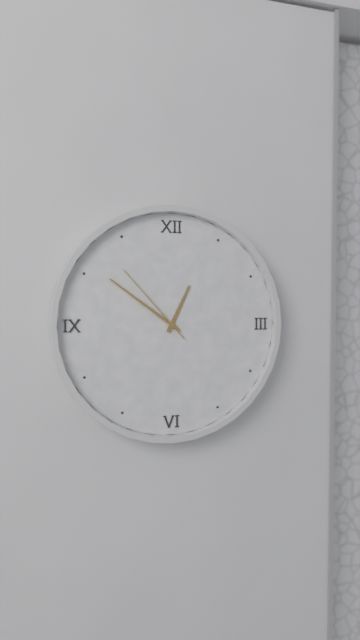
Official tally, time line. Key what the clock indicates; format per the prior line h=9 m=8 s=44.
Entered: h=12 m=51 s=53
